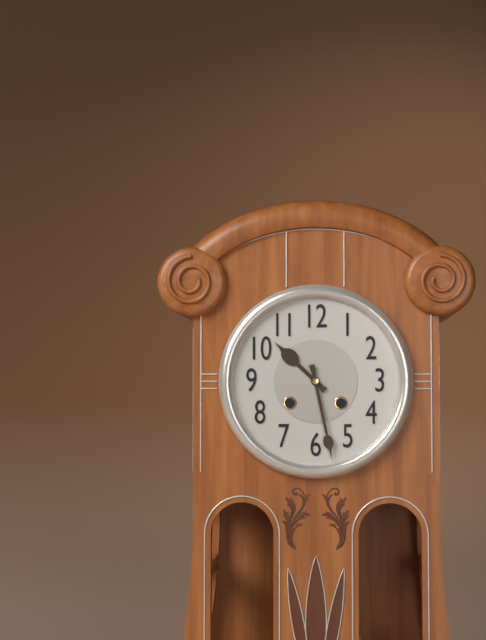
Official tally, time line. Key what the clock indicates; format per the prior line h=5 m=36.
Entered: h=10 m=28
